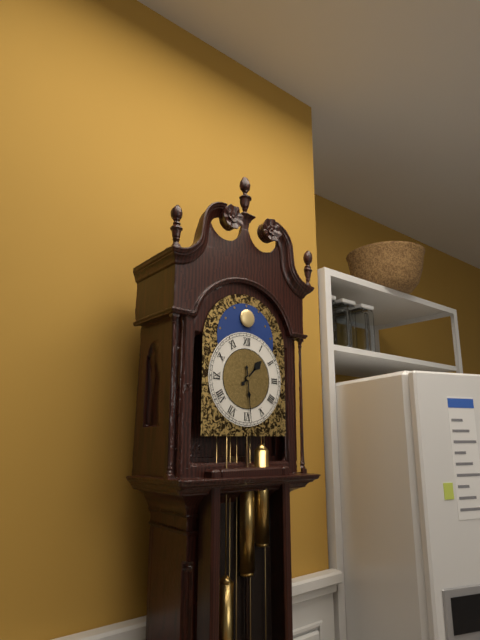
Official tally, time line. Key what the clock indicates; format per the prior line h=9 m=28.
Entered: h=1 m=29
